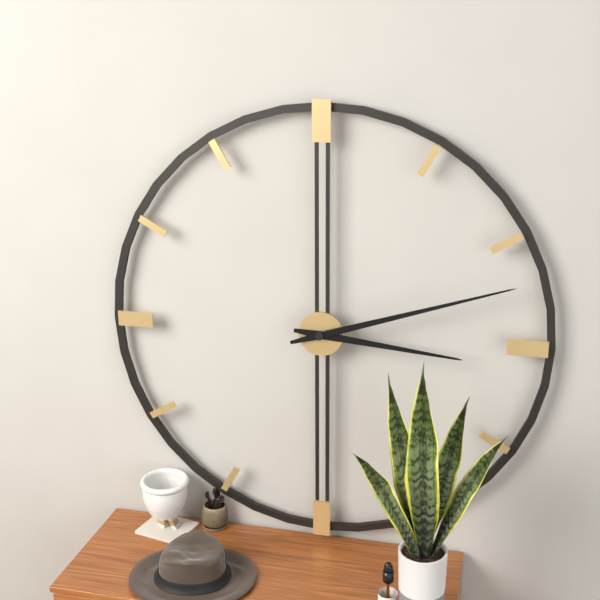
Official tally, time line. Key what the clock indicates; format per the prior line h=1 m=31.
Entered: h=3 m=12
